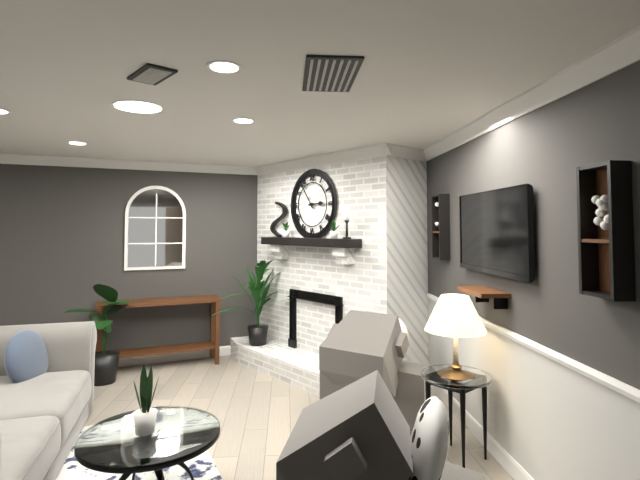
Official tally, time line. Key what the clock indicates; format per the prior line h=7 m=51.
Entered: h=2 m=54
